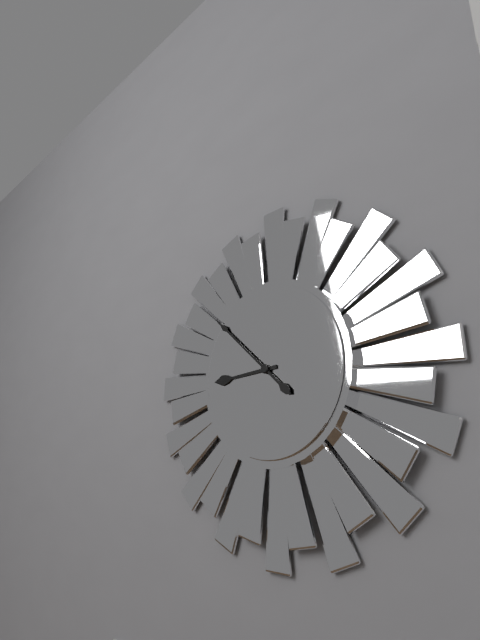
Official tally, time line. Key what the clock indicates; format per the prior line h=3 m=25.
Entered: h=8 m=52
